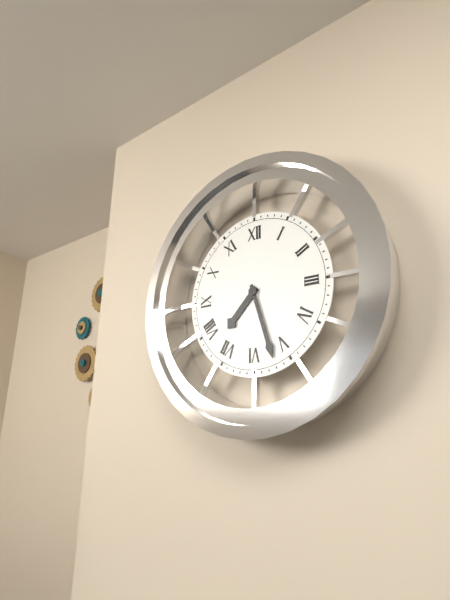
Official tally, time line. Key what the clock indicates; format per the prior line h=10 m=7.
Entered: h=7 m=27
